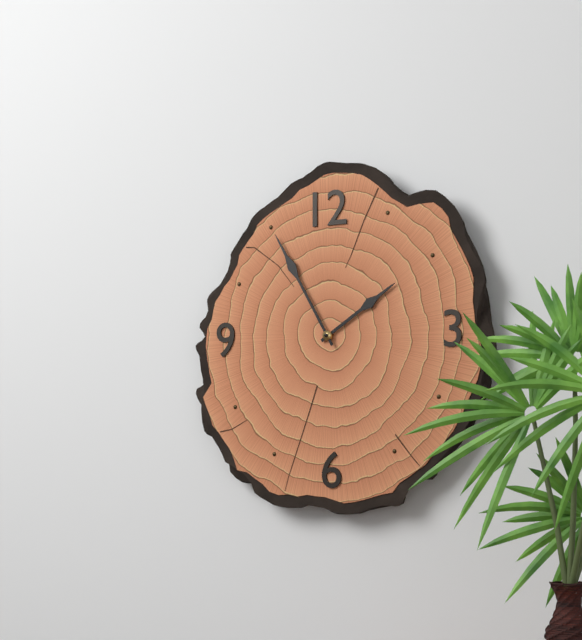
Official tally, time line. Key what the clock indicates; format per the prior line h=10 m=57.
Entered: h=1 m=55
